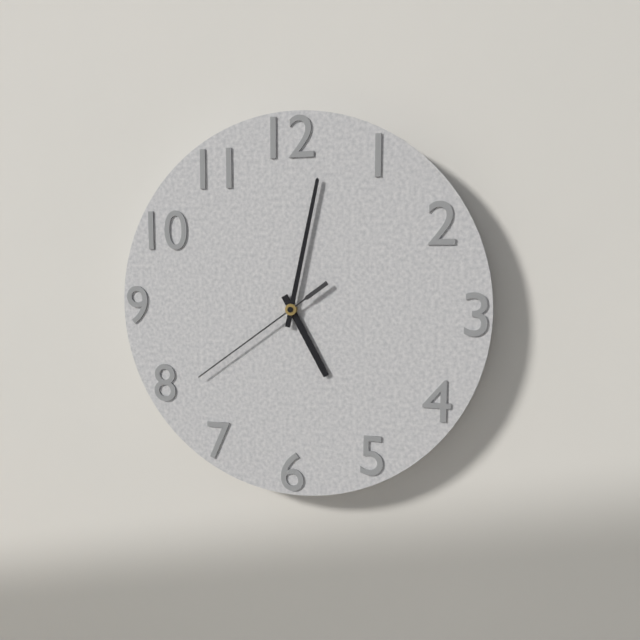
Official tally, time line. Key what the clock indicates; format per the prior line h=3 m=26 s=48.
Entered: h=5 m=2 s=39
